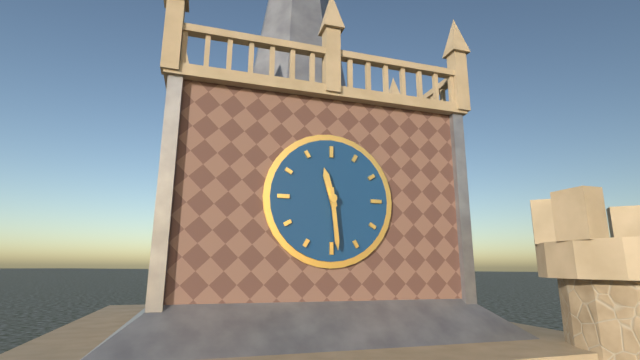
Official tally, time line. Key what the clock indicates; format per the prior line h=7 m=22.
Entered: h=11 m=29
